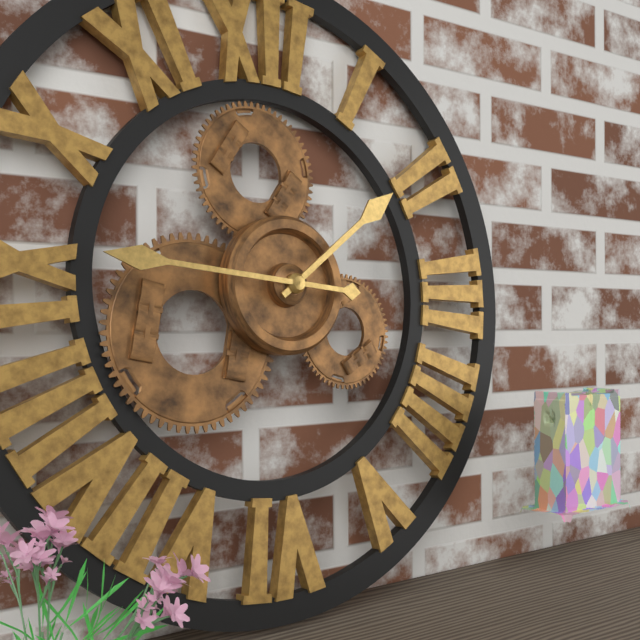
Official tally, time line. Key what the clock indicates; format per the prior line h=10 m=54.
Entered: h=1 m=46
